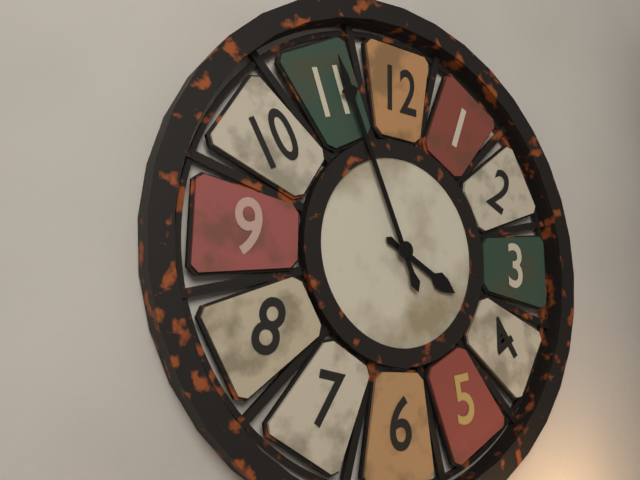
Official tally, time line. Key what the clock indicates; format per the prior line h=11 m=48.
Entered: h=3 m=56
